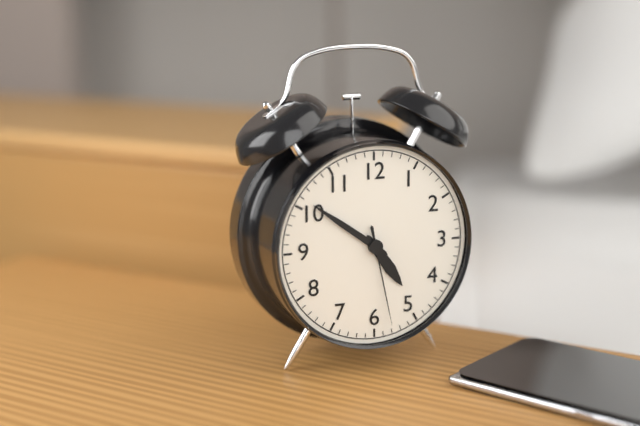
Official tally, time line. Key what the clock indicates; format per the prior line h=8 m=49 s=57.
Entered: h=4 m=51 s=28
